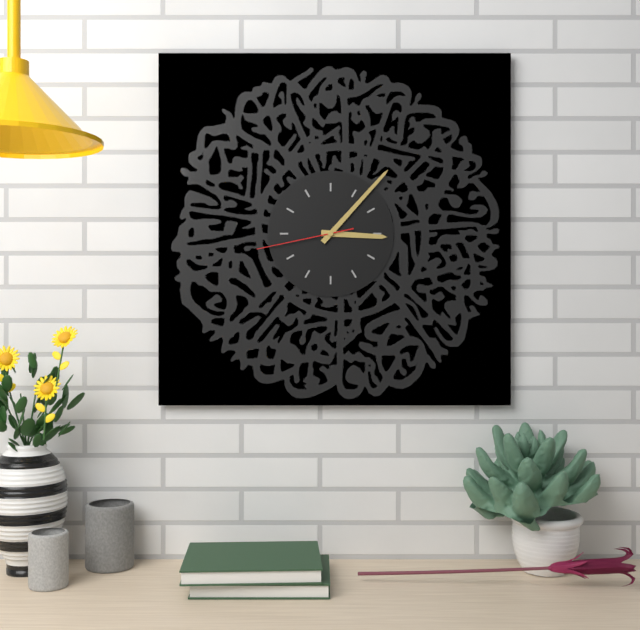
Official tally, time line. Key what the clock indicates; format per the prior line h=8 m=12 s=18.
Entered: h=3 m=7 s=43
